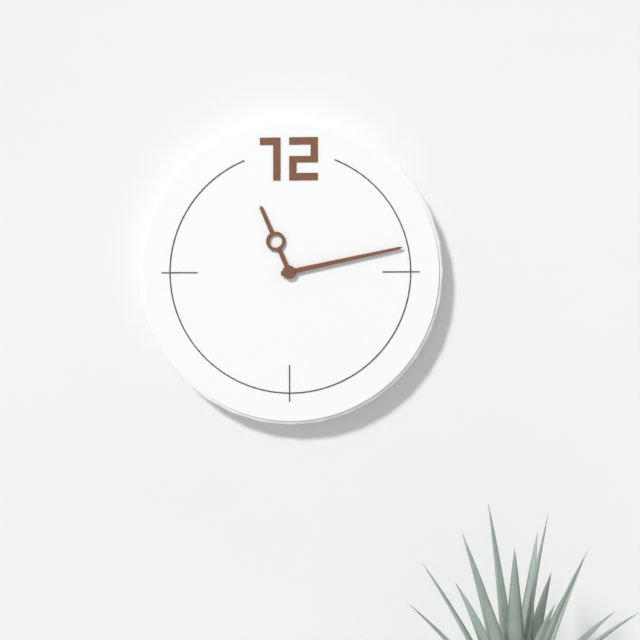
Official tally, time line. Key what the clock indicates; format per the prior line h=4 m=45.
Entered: h=11 m=13
